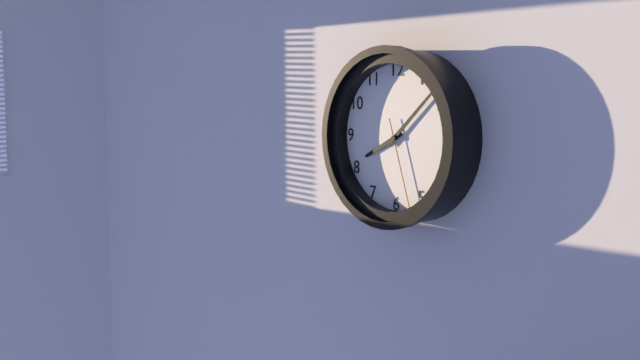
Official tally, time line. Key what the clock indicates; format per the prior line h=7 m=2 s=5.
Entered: h=8 m=8 s=27
